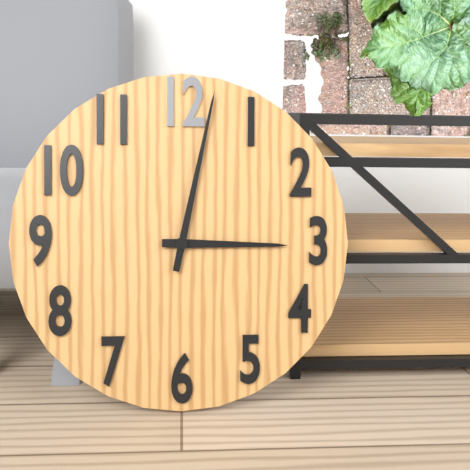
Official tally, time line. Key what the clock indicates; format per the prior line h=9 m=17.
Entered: h=3 m=2
